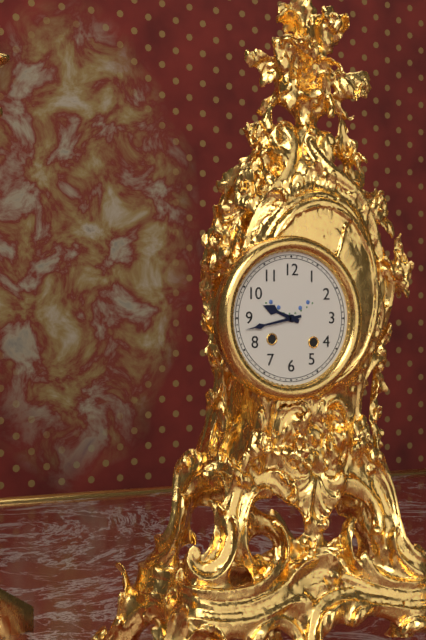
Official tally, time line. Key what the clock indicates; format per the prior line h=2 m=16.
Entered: h=9 m=43
